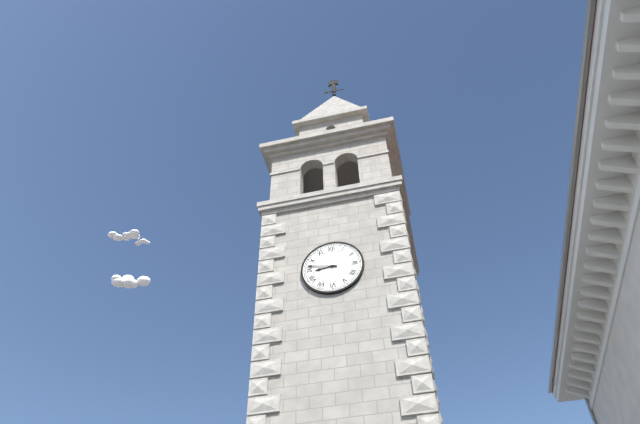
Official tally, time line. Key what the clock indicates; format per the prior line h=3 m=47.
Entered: h=8 m=47
